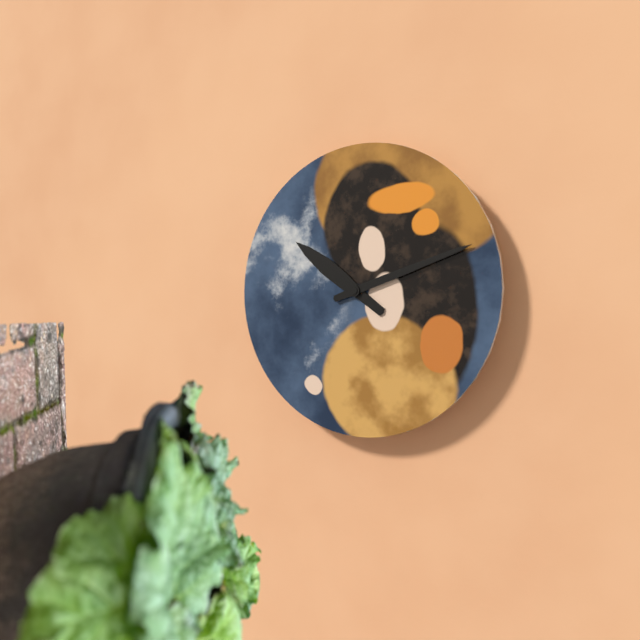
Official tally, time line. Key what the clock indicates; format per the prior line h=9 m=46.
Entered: h=10 m=12
